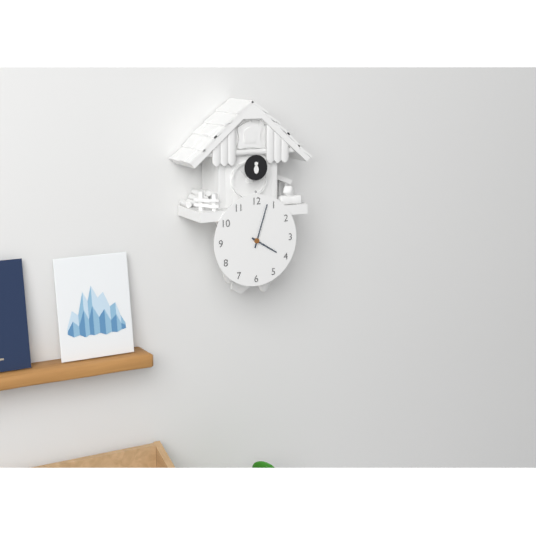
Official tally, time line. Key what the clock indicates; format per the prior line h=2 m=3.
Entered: h=4 m=3
